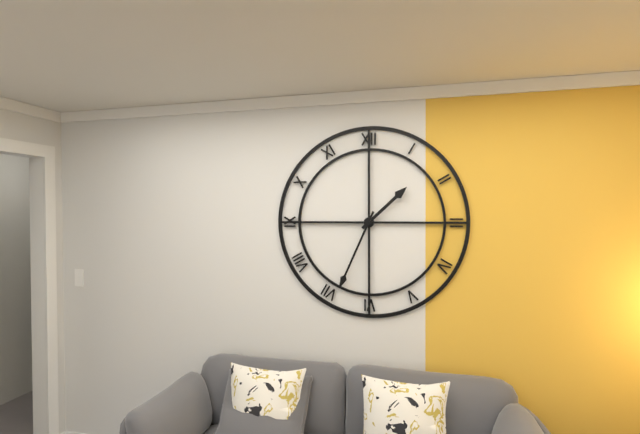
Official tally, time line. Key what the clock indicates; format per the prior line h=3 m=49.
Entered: h=1 m=34
